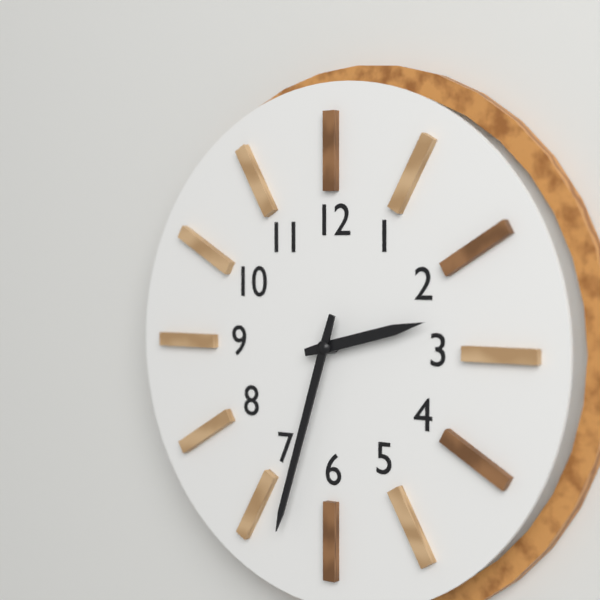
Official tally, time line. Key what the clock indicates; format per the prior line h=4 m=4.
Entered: h=2 m=33
